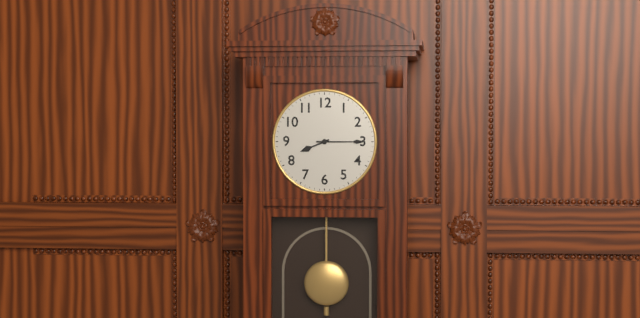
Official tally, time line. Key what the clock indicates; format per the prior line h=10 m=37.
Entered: h=8 m=15
